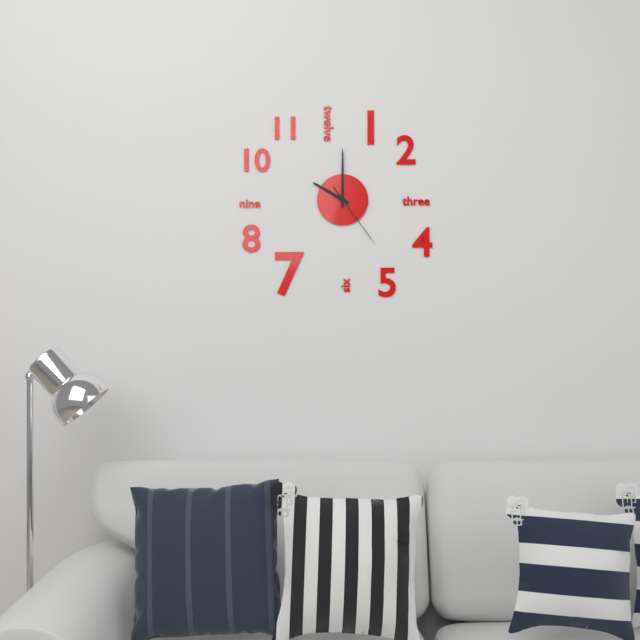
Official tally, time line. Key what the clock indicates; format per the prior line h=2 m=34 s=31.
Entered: h=10 m=0 s=24
